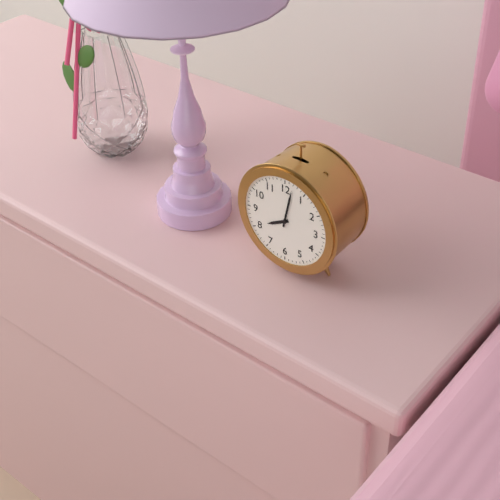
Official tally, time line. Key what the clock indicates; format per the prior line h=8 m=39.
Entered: h=8 m=2
